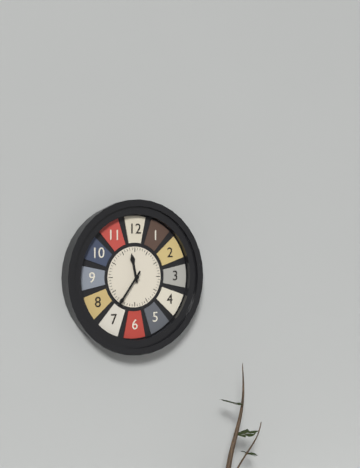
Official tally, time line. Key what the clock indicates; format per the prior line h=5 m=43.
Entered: h=11 m=36
